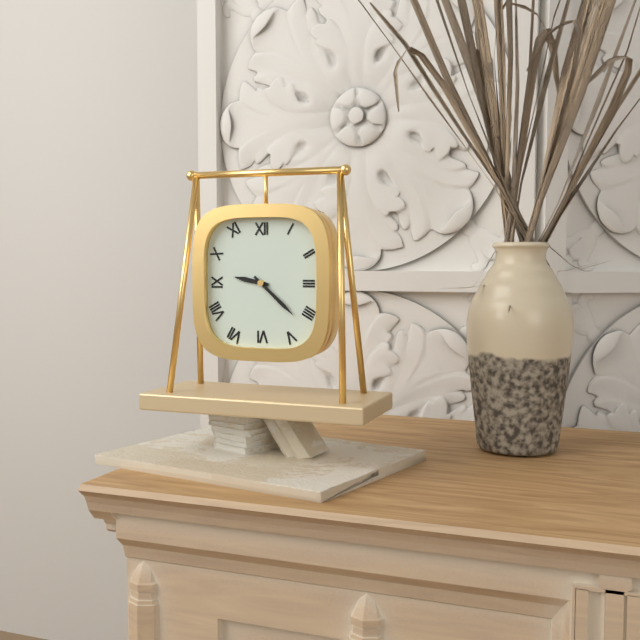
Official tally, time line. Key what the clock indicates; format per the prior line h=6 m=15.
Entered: h=9 m=22
